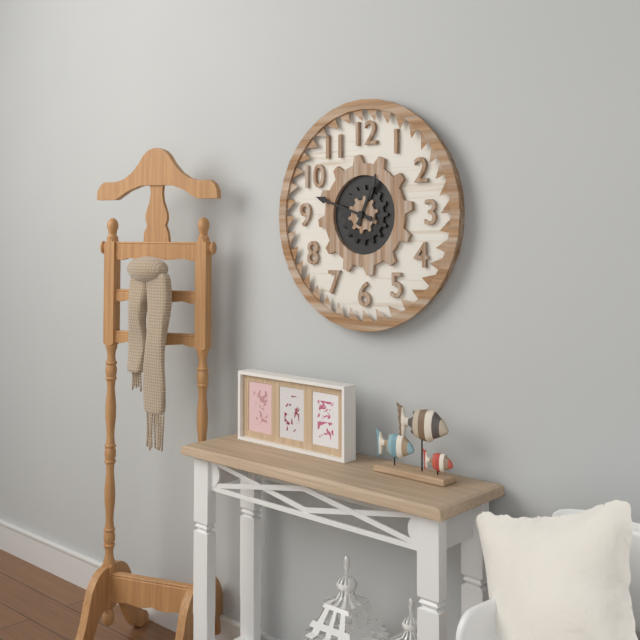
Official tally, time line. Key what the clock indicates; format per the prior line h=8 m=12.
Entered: h=12 m=48
